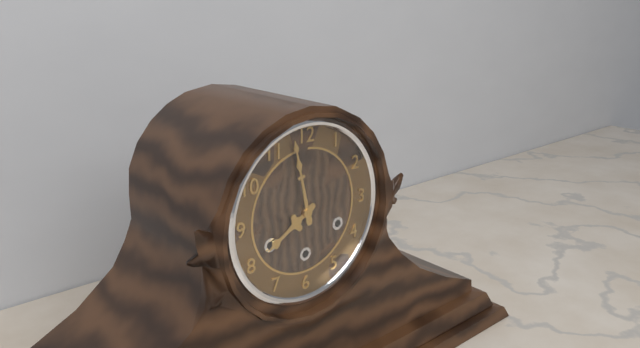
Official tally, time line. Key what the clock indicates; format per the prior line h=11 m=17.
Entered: h=7 m=58
